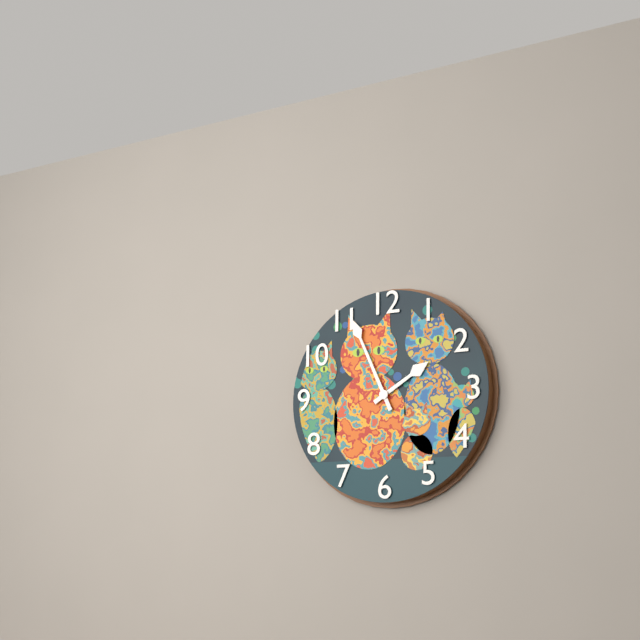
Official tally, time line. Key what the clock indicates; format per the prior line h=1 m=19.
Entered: h=1 m=56
